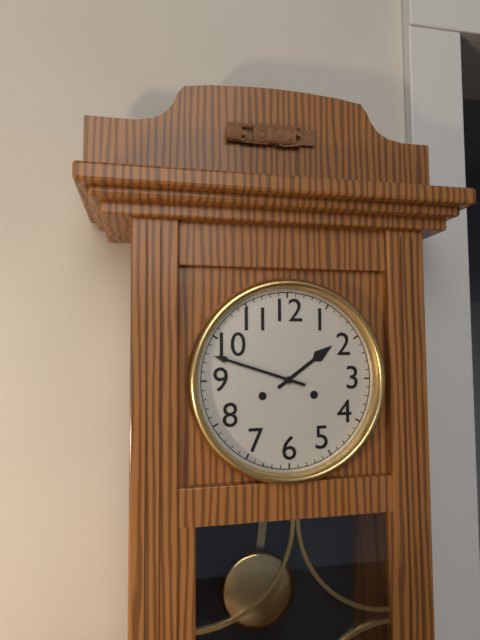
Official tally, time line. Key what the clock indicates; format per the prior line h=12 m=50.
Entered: h=1 m=48
